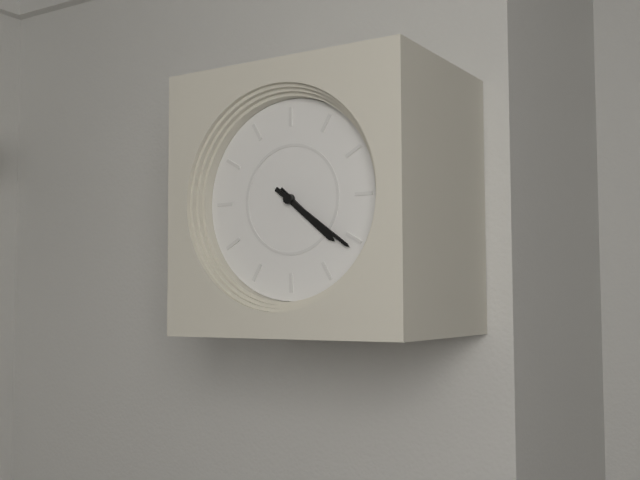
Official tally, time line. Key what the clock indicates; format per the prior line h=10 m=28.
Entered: h=4 m=21
